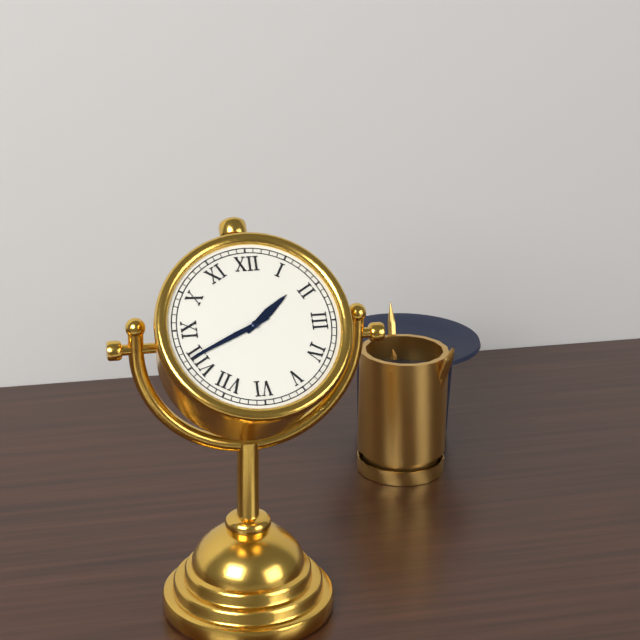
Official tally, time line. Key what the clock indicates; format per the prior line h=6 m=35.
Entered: h=1 m=41
